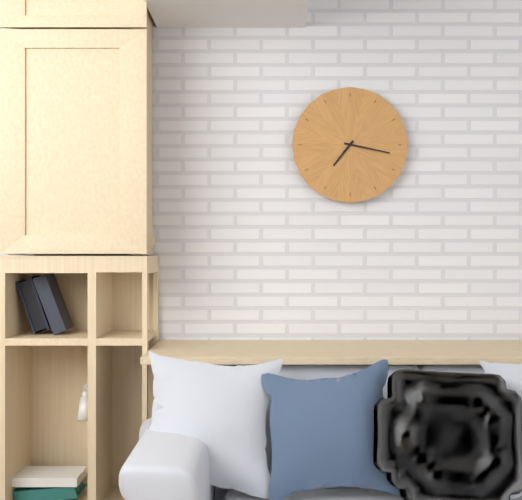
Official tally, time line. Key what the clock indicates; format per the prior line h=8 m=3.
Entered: h=7 m=17
